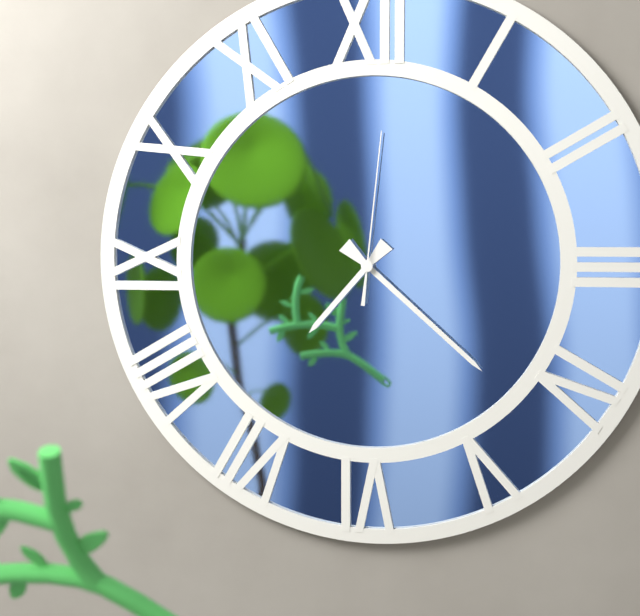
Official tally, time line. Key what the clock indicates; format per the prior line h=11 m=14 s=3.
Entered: h=7 m=22 s=1
